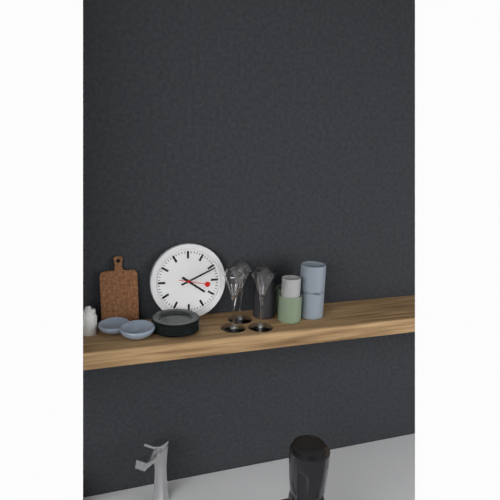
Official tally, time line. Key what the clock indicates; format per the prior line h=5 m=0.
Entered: h=4 m=11
